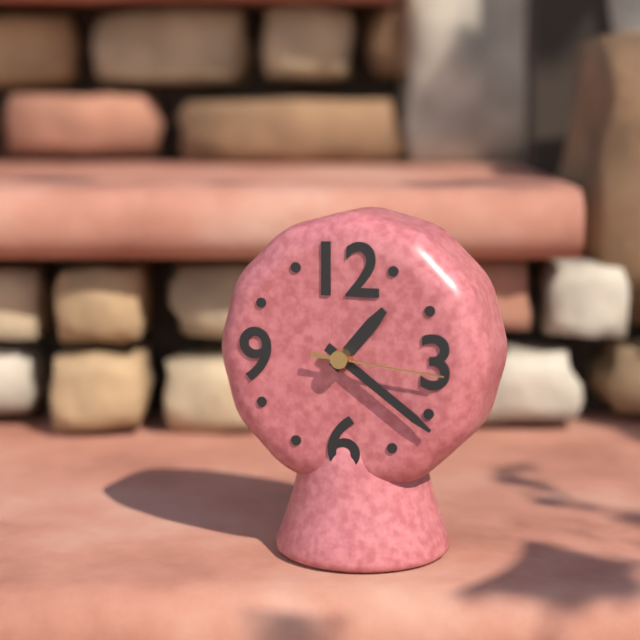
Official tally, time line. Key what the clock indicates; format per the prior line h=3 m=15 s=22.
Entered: h=1 m=21 s=16
